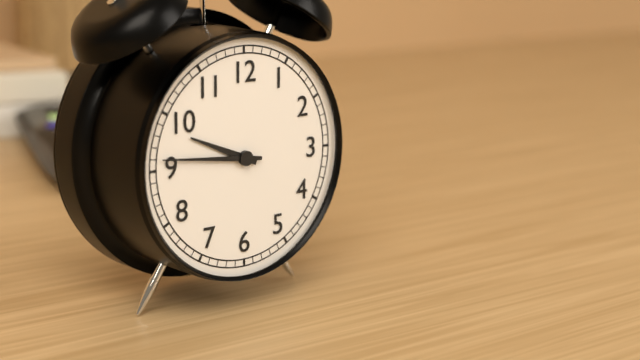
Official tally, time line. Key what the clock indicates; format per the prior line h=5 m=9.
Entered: h=9 m=46
